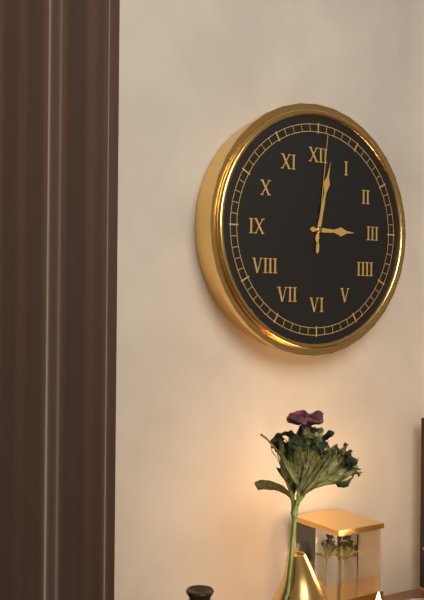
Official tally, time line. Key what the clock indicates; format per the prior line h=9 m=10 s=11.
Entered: h=3 m=2 s=1
